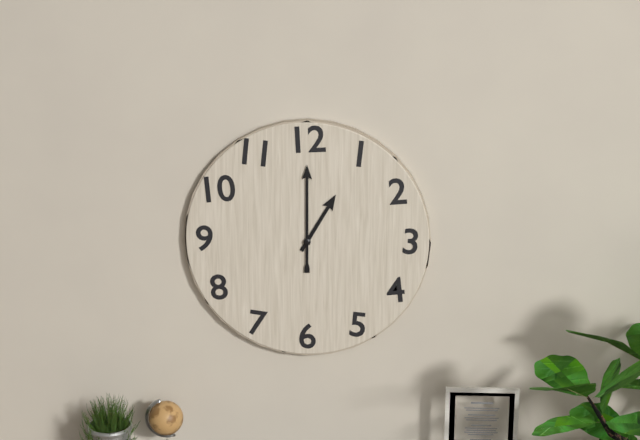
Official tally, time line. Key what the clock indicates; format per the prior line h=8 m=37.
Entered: h=1 m=0
